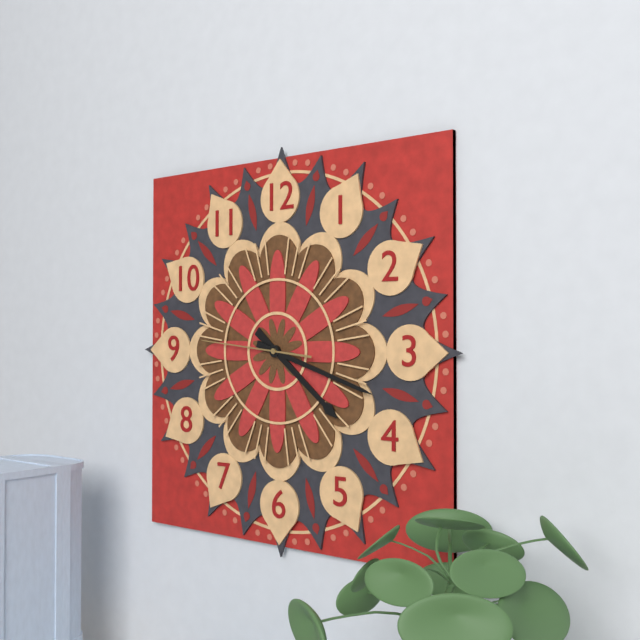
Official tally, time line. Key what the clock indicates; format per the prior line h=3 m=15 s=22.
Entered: h=4 m=18 s=46
